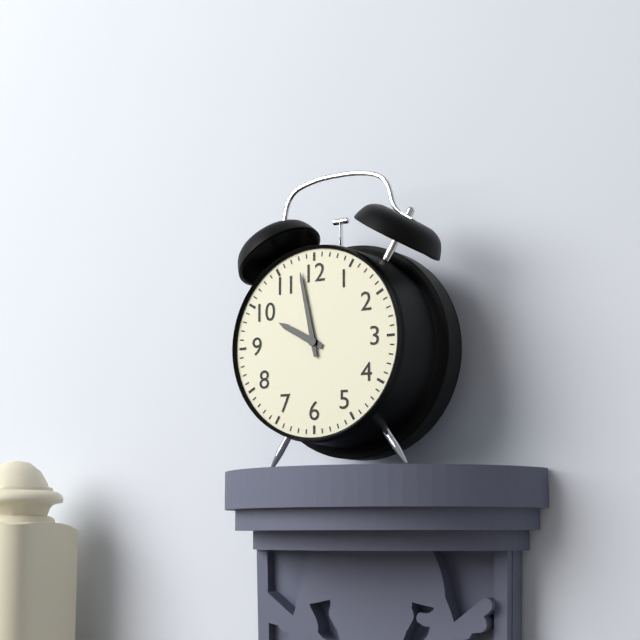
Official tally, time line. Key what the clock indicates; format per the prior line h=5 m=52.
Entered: h=9 m=58
